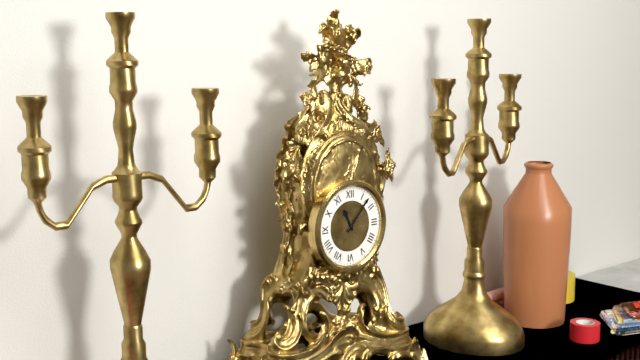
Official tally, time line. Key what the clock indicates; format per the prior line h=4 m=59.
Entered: h=11 m=7
